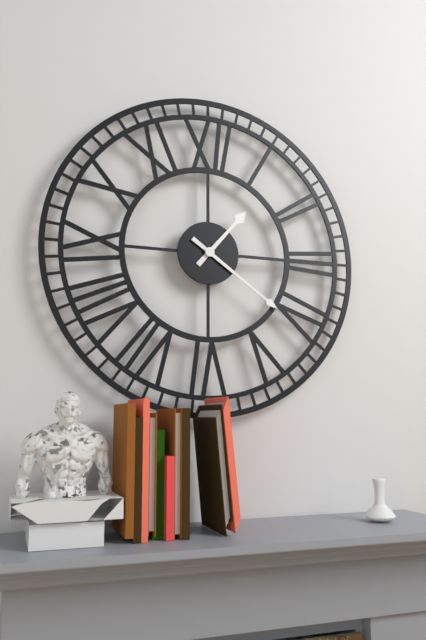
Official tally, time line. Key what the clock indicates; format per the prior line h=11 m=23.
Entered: h=1 m=21
